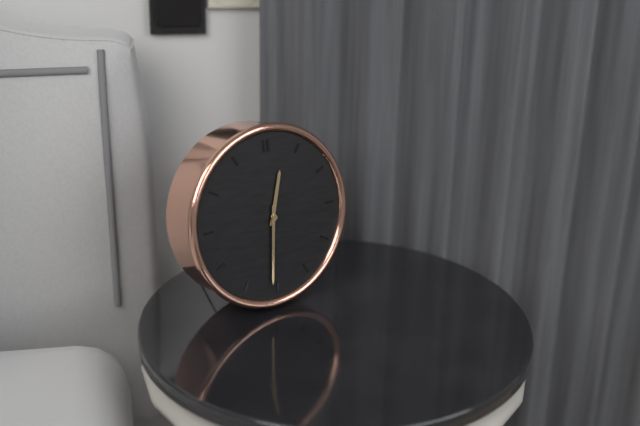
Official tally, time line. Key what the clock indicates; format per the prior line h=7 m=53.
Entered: h=12 m=31
